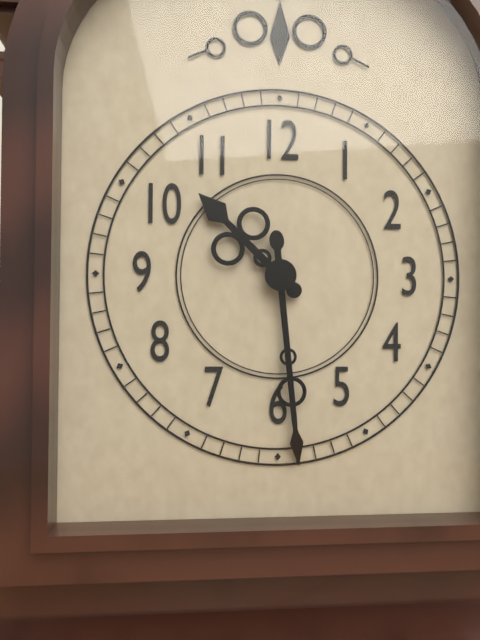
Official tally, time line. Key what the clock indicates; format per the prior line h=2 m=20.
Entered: h=10 m=29
